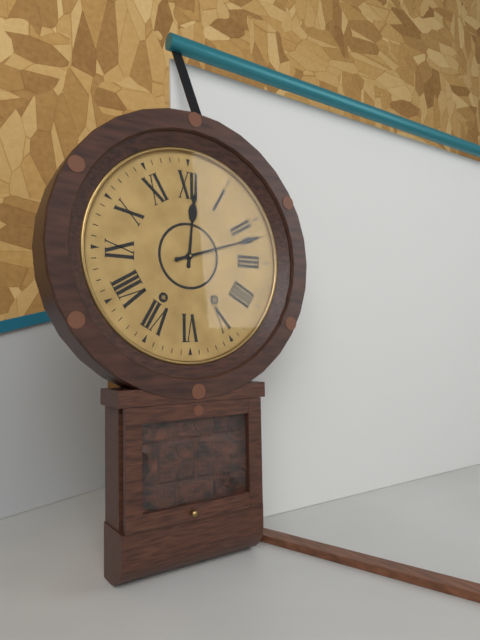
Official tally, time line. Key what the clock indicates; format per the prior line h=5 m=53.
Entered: h=12 m=12
